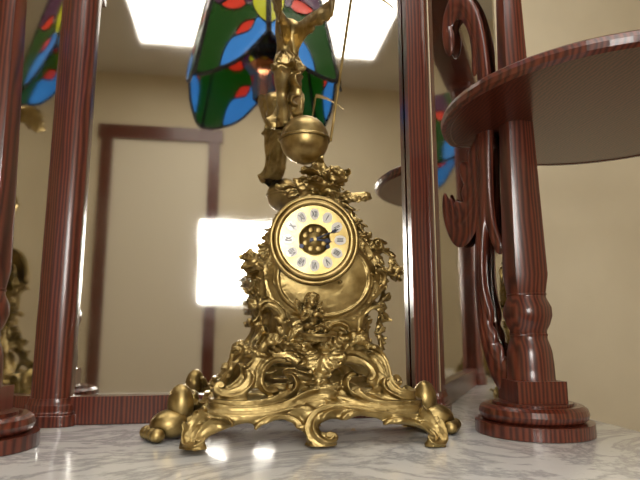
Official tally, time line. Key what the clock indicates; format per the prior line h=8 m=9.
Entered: h=3 m=11
